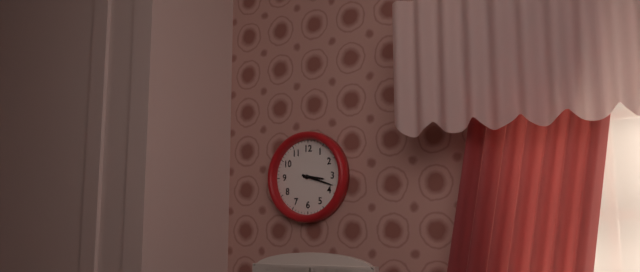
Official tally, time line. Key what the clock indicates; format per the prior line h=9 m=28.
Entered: h=3 m=18
